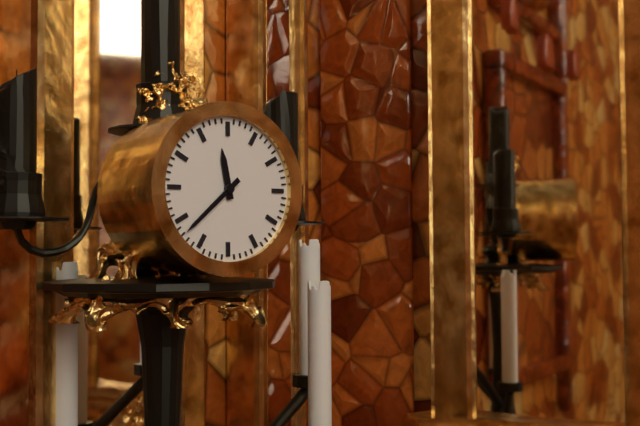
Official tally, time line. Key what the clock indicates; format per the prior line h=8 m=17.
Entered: h=11 m=38
